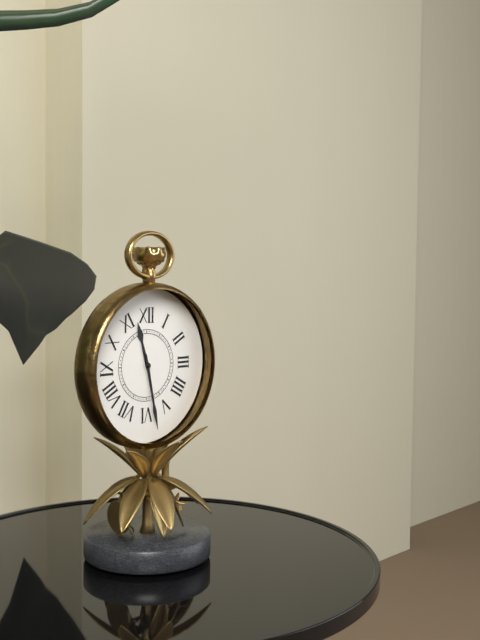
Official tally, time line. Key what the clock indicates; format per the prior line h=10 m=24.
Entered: h=11 m=28
